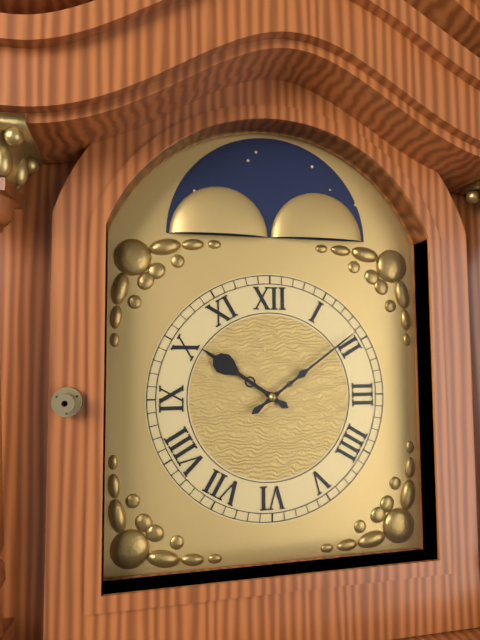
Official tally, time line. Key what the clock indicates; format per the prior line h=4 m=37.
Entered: h=10 m=9
